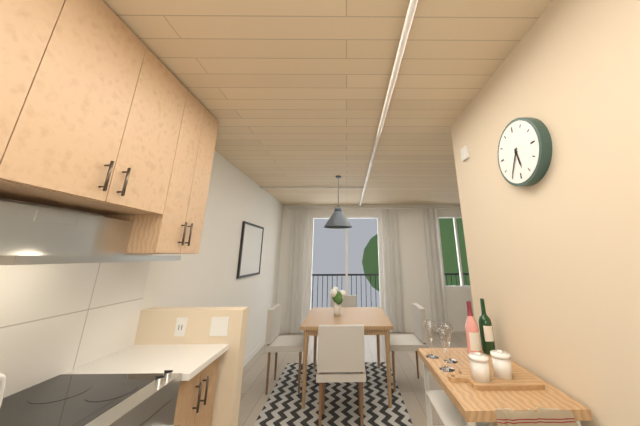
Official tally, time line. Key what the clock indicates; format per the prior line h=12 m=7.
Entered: h=5 m=35
